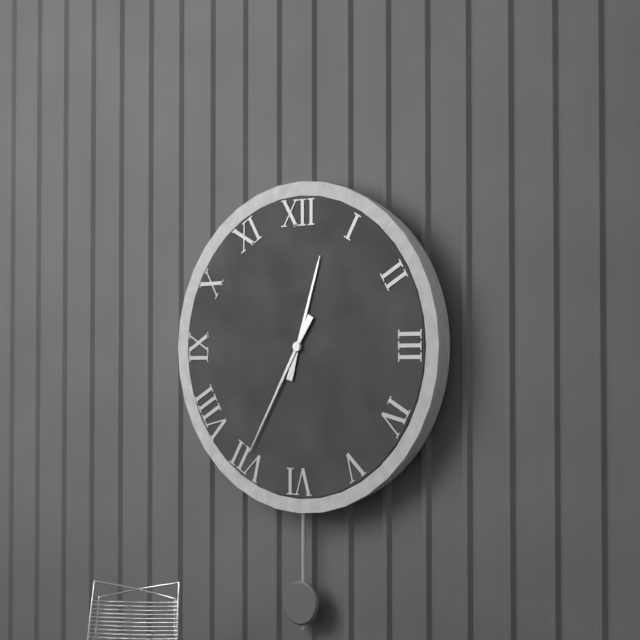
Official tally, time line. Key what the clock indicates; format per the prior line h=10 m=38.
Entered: h=12 m=35
